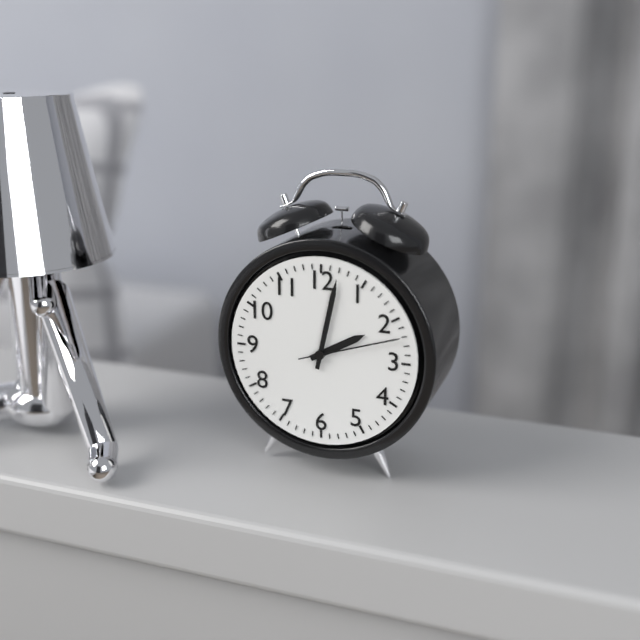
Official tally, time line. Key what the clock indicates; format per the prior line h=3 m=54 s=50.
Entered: h=2 m=2 s=12
